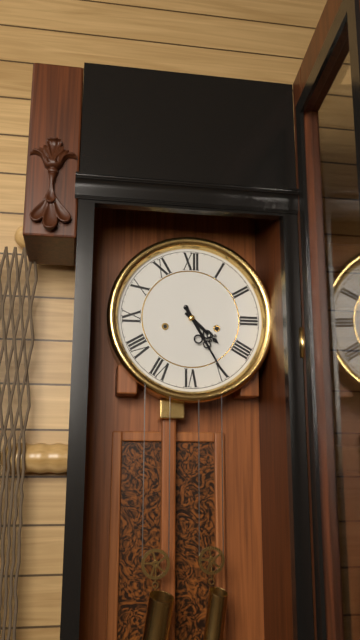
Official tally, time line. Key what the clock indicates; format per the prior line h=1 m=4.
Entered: h=4 m=25
